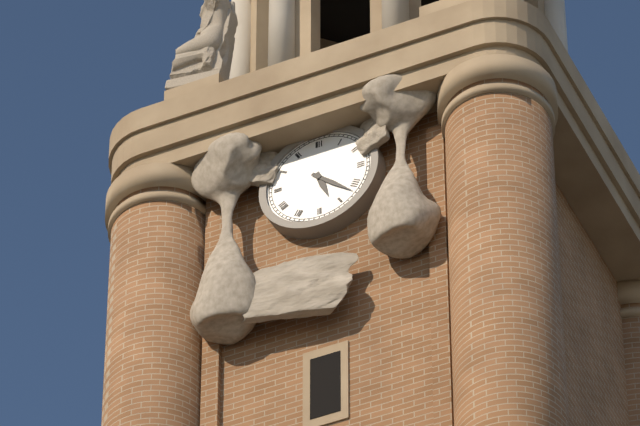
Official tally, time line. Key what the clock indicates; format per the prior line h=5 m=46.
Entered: h=5 m=22
